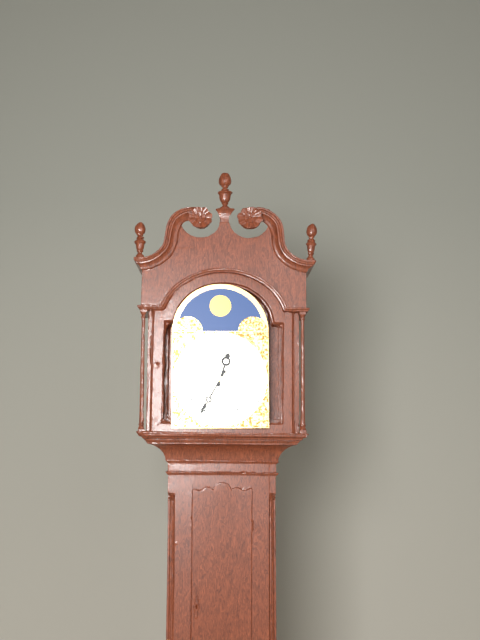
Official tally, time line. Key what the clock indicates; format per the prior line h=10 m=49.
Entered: h=12 m=35
